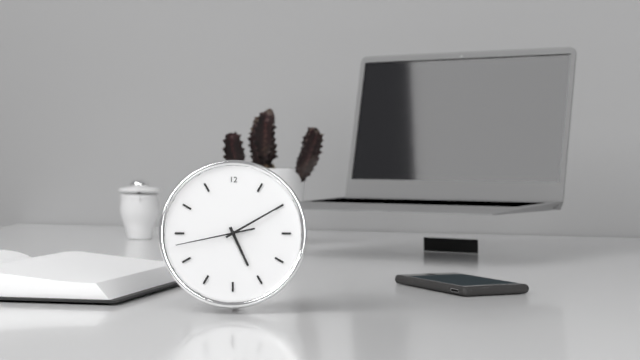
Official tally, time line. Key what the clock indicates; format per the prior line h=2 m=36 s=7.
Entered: h=5 m=10 s=43
